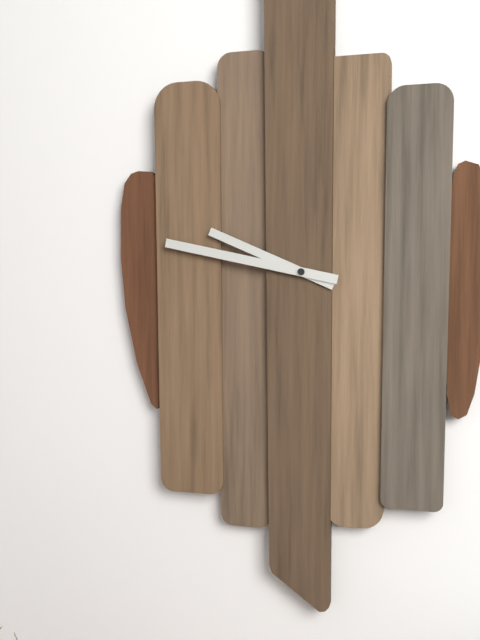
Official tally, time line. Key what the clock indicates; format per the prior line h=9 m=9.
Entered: h=9 m=47
